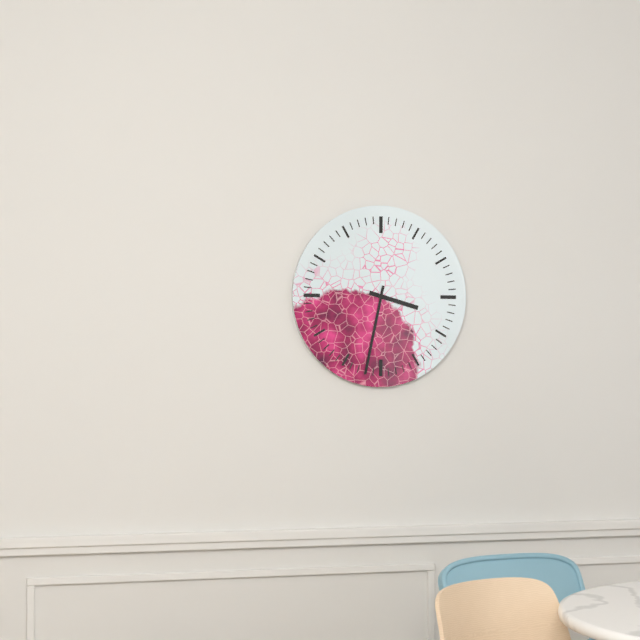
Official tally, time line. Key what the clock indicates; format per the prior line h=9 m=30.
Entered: h=3 m=32
